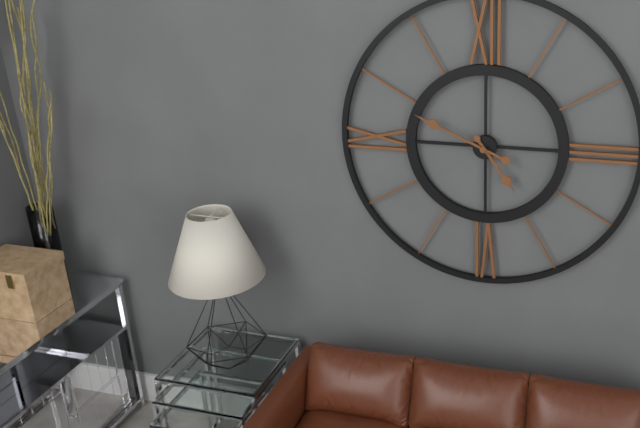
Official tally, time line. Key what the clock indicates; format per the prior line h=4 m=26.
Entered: h=4 m=49
